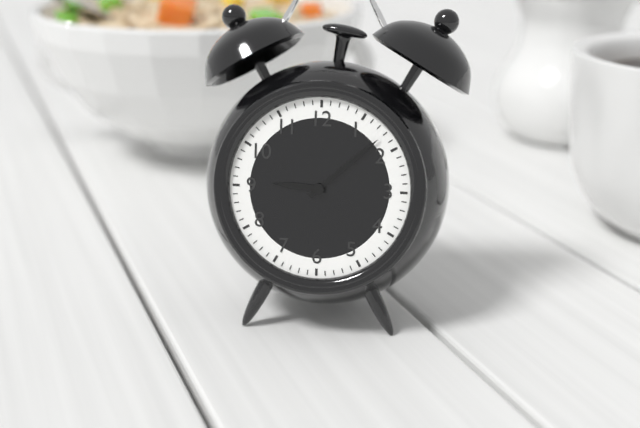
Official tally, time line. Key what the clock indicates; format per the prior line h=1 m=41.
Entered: h=9 m=8
